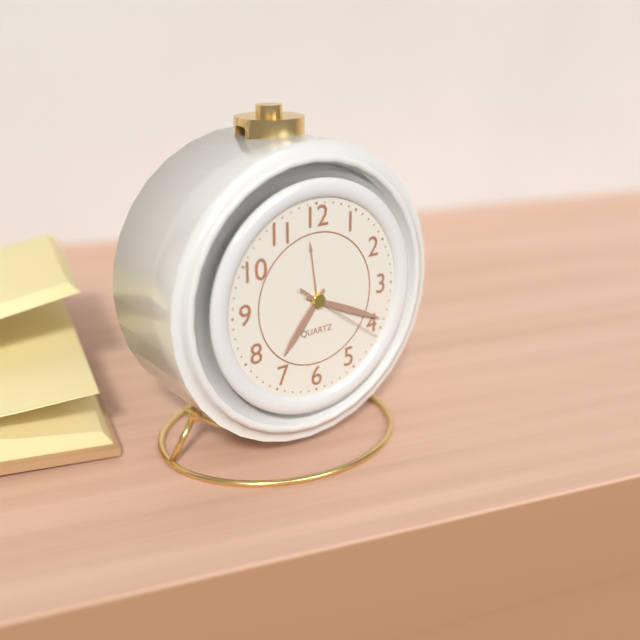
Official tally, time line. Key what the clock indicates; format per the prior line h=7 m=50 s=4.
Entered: h=7 m=19 s=21
